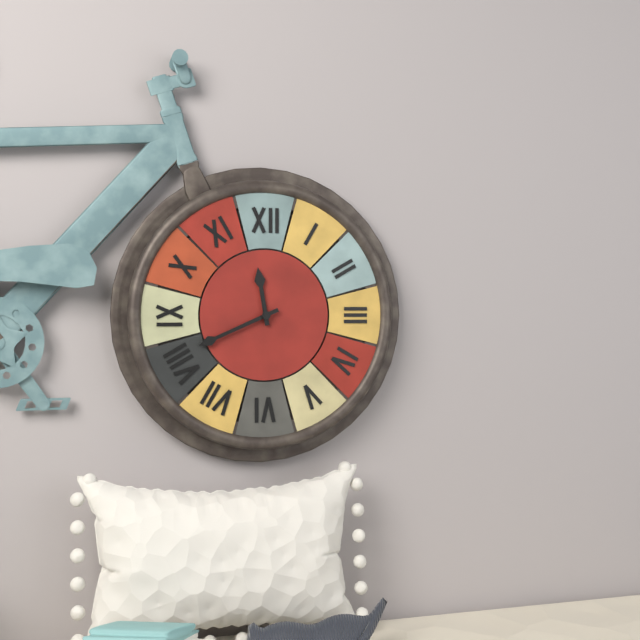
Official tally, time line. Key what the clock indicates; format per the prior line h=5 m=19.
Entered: h=11 m=41
